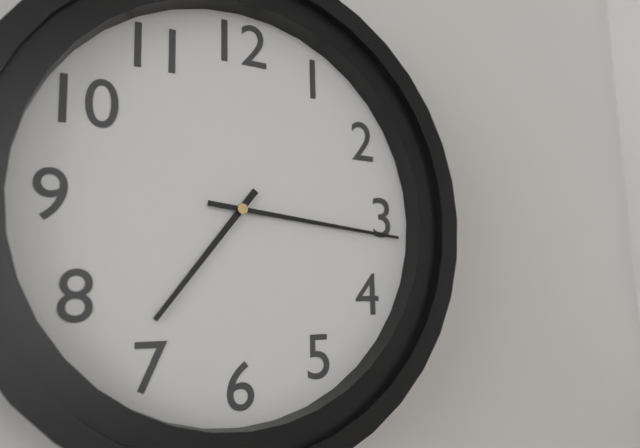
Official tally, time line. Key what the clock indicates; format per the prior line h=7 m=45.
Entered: h=7 m=16
